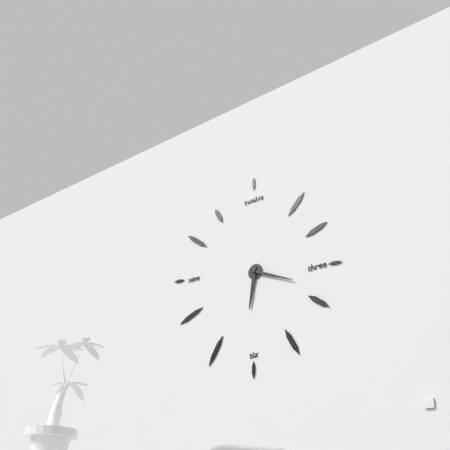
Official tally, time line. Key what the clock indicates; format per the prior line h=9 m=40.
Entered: h=6 m=19
